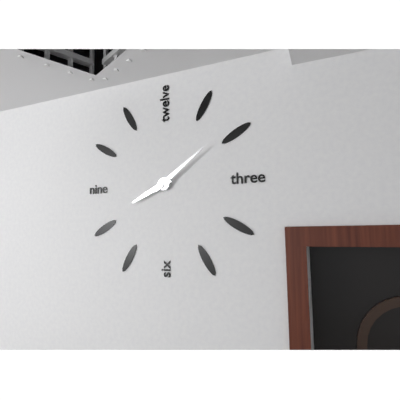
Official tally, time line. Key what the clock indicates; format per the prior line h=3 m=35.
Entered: h=8 m=9
